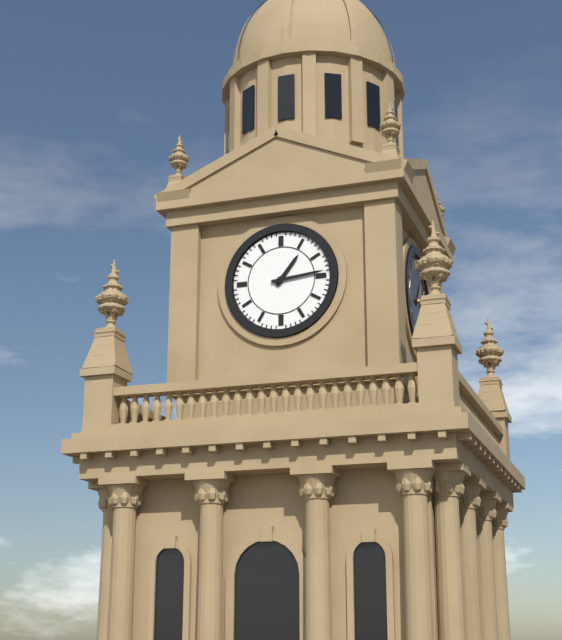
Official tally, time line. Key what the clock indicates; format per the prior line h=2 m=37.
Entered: h=1 m=14
